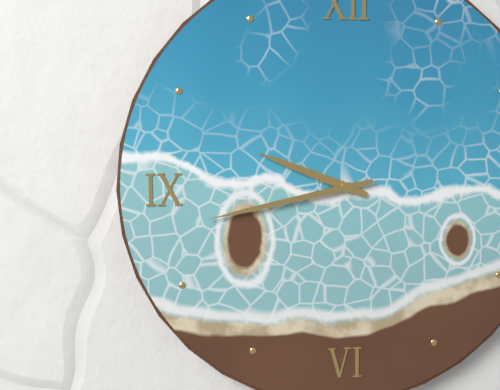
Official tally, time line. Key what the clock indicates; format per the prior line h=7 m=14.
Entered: h=9 m=43
